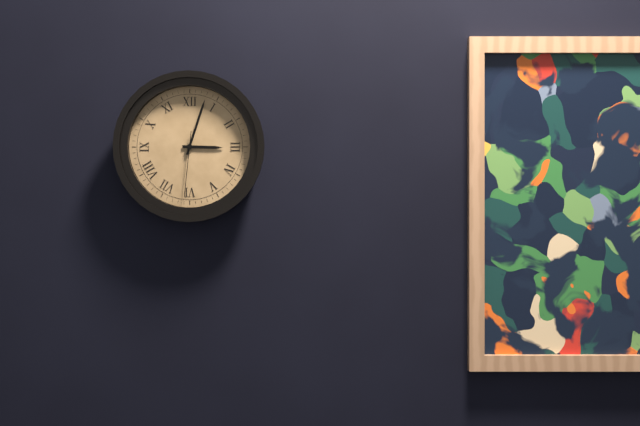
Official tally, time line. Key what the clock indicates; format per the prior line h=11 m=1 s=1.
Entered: h=3 m=3 s=31
